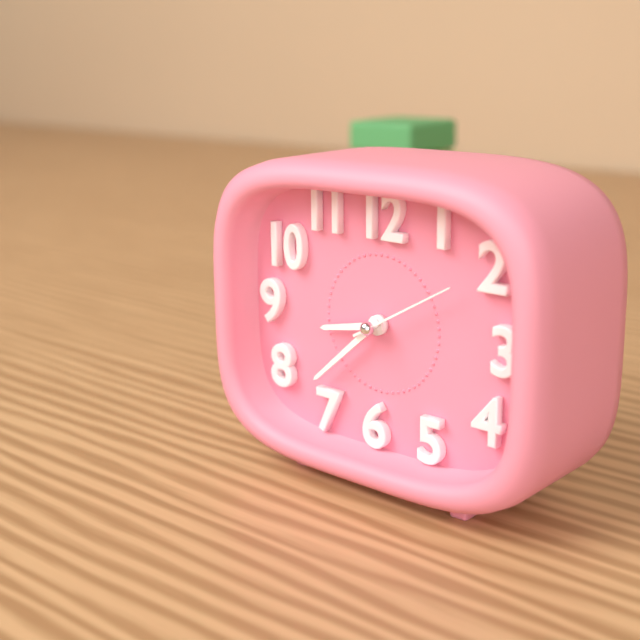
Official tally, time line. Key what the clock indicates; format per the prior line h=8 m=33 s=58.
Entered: h=8 m=38 s=10
